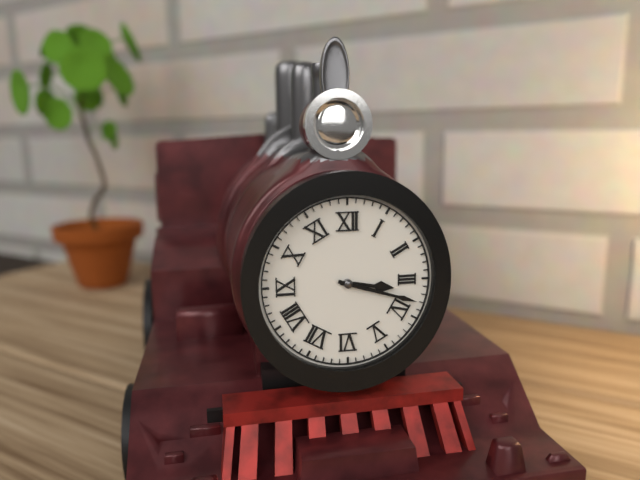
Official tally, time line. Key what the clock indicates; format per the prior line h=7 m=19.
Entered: h=3 m=18
